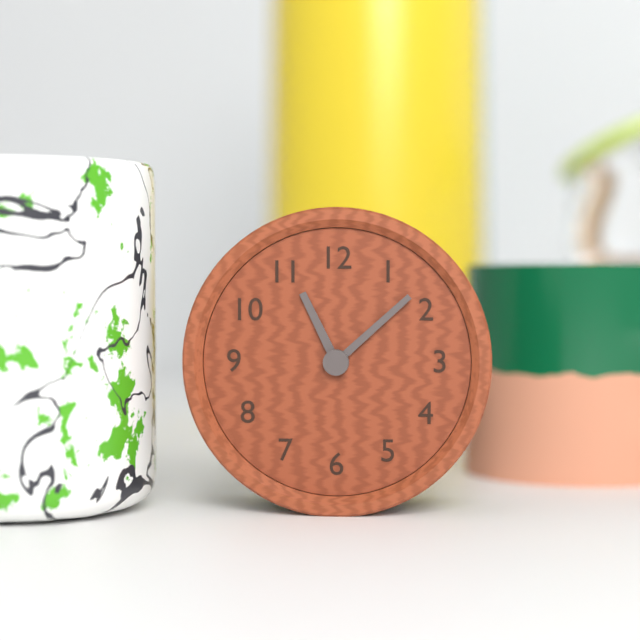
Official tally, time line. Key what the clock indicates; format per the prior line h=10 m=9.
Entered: h=11 m=8
